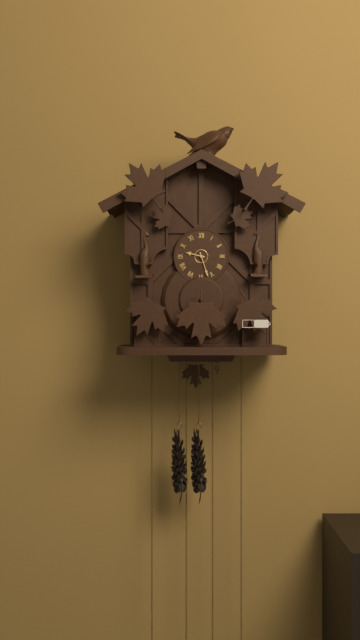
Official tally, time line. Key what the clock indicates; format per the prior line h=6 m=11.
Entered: h=9 m=27
